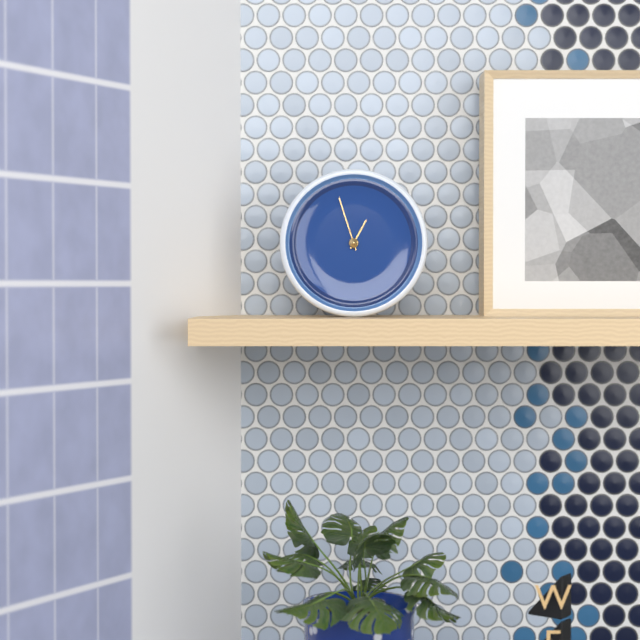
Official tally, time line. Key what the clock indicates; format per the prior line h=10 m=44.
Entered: h=12 m=57
